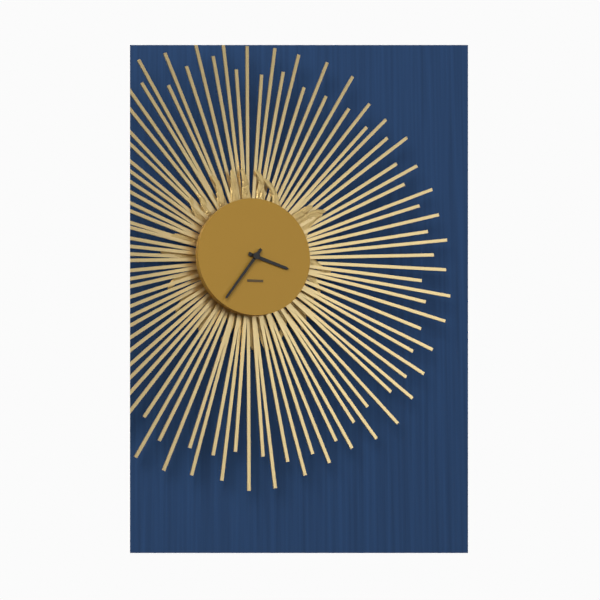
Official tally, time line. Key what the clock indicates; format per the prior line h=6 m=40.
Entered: h=3 m=36
